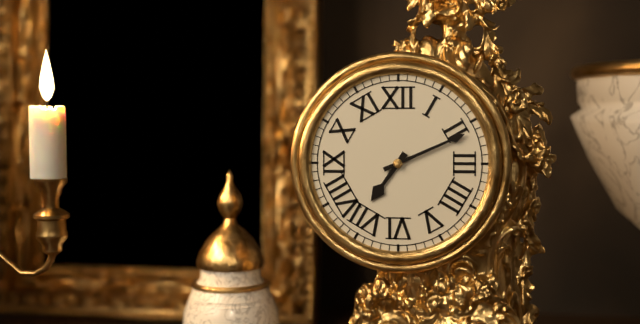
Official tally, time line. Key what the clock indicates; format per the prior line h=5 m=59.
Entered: h=7 m=11
